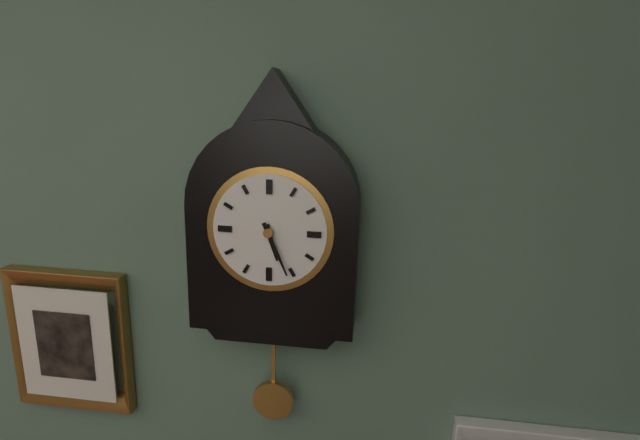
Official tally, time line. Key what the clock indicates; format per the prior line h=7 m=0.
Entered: h=5 m=26
